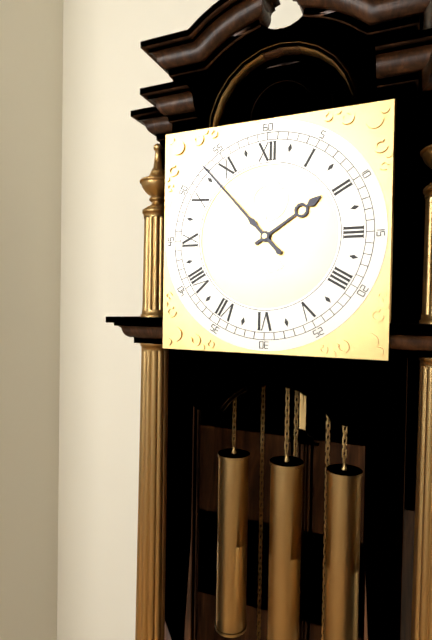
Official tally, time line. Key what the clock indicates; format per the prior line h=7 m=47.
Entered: h=1 m=53
